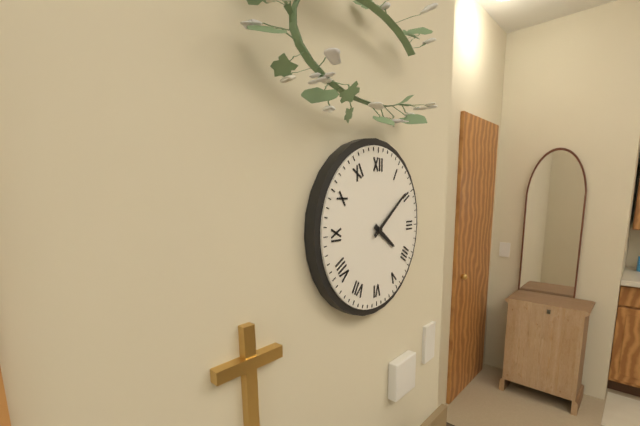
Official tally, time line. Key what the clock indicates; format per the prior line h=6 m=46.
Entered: h=4 m=9
